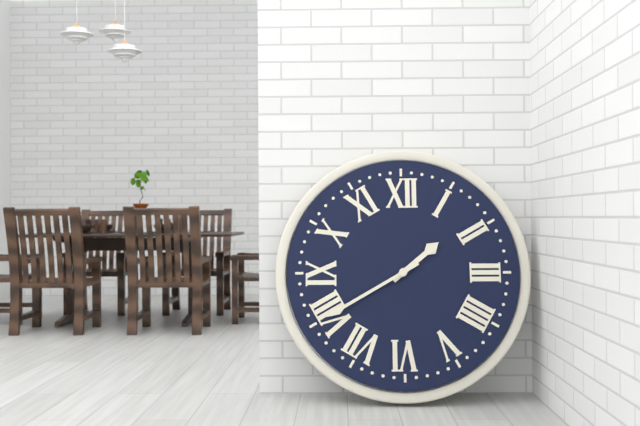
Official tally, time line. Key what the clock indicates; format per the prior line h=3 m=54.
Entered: h=1 m=40
